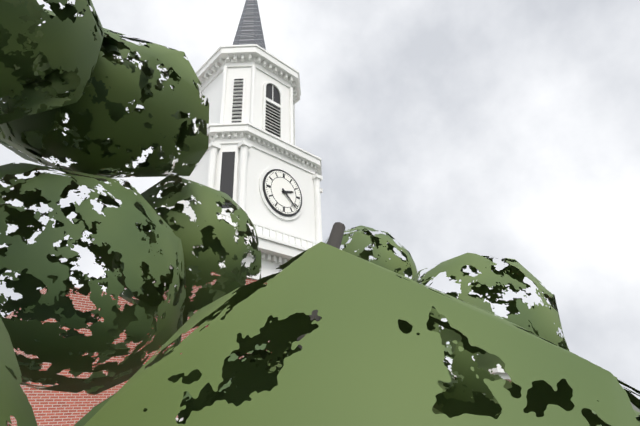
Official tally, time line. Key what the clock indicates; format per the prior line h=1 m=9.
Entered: h=2 m=22
